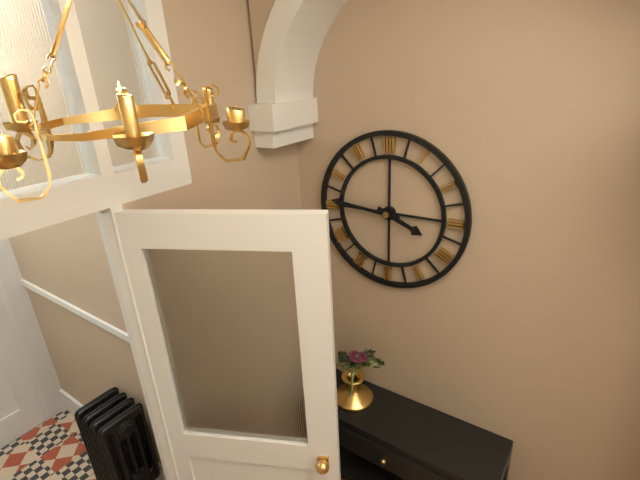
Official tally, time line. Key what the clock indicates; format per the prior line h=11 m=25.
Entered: h=3 m=46
